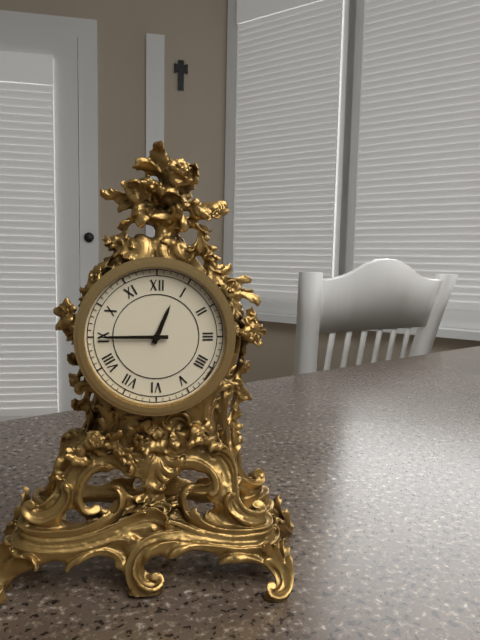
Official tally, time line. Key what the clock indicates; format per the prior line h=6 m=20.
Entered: h=12 m=45
